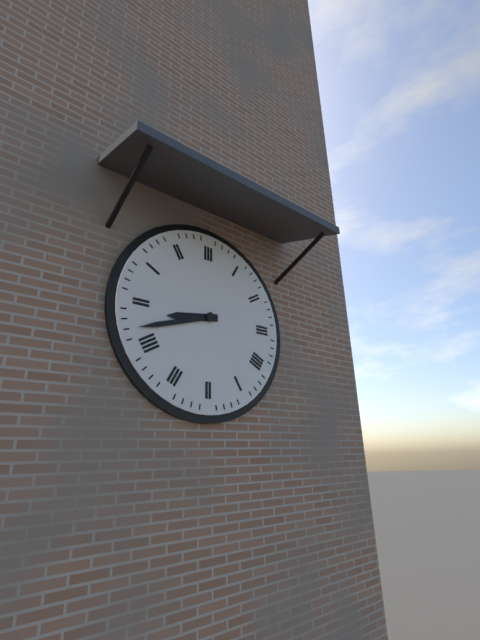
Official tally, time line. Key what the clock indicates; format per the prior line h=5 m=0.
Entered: h=8 m=42
